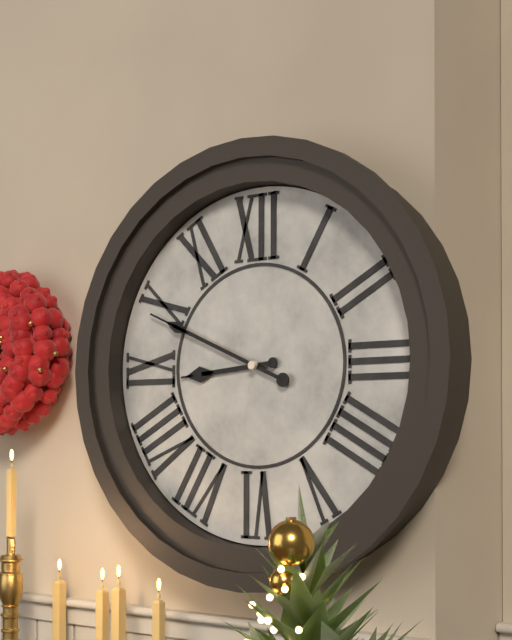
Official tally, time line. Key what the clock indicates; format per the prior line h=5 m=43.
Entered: h=8 m=49
